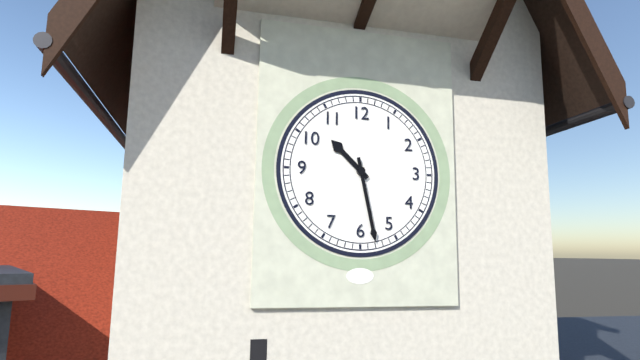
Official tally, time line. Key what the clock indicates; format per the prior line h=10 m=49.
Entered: h=10 m=28
